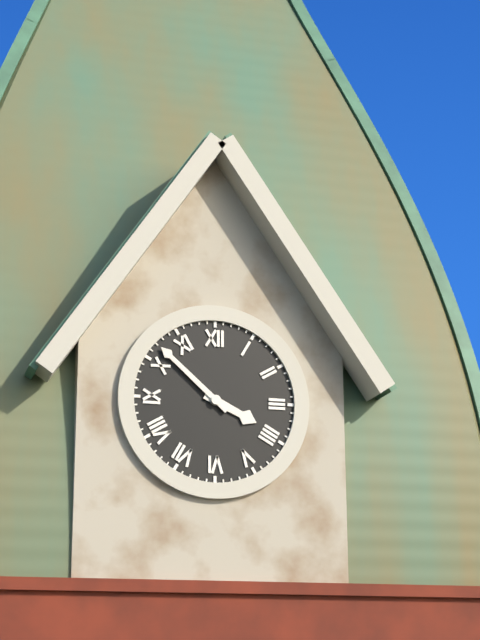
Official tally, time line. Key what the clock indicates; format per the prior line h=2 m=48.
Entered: h=3 m=52
